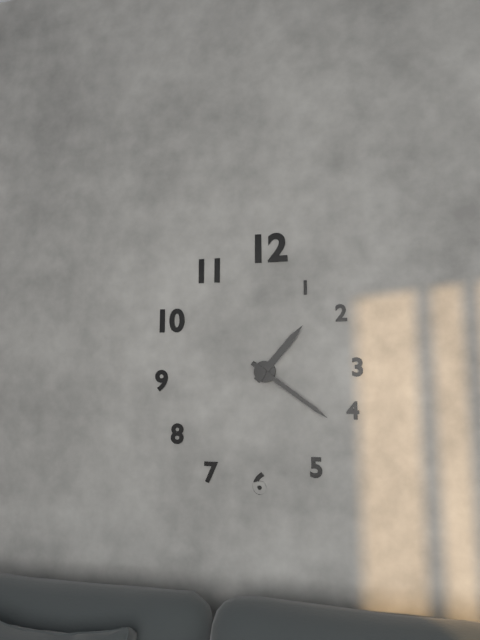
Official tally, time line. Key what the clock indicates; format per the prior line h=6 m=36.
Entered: h=1 m=21
